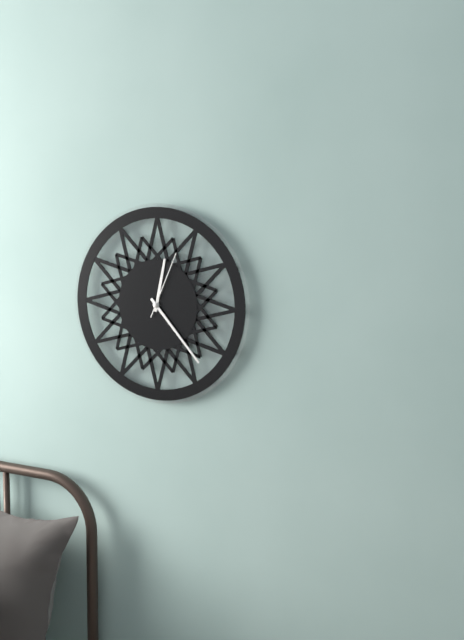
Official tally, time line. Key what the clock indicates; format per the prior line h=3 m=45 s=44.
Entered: h=12 m=23 s=4
